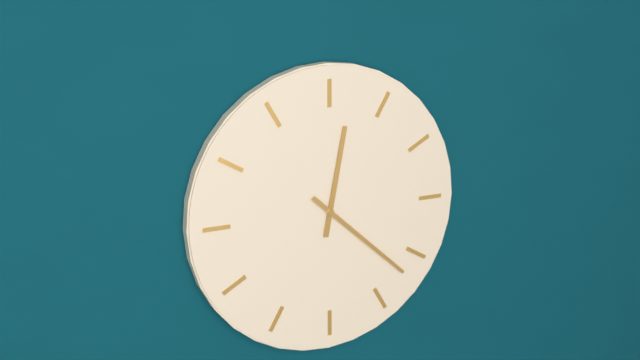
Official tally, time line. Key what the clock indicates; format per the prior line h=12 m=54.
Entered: h=12 m=22
